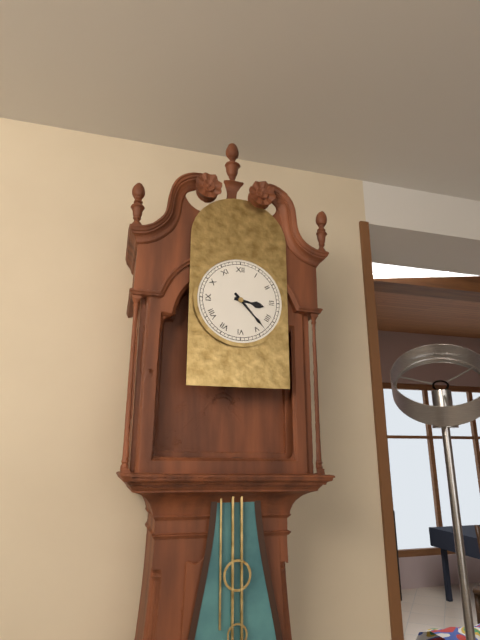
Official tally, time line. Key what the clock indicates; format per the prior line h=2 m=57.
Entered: h=3 m=23
